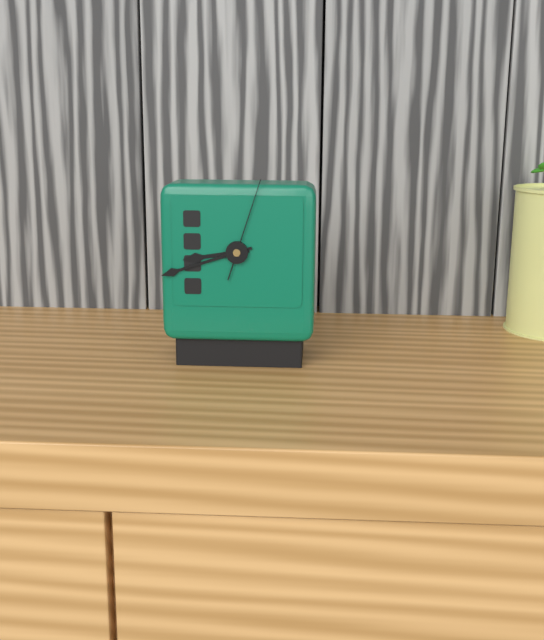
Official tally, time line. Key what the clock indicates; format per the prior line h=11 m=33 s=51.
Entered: h=8 m=42 s=3
